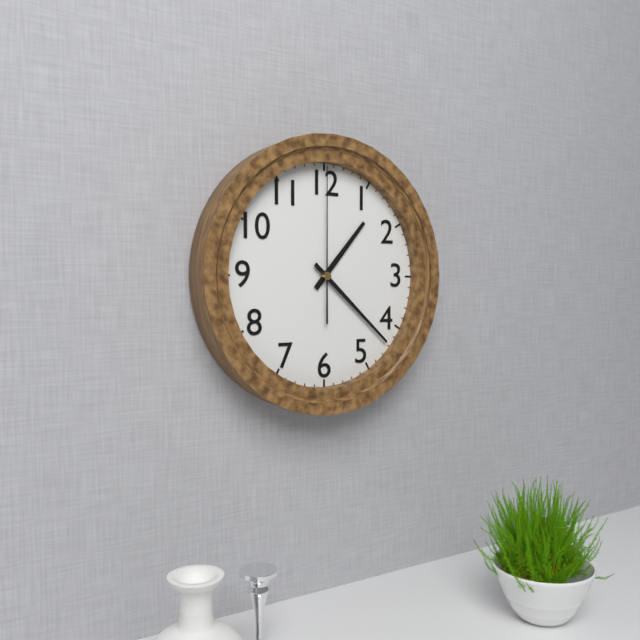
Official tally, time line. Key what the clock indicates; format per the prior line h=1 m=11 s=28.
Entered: h=1 m=22 s=0
